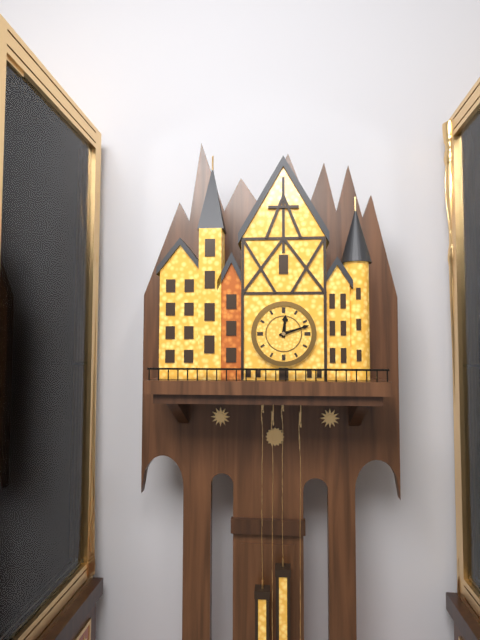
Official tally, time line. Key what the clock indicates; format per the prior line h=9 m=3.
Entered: h=12 m=12
